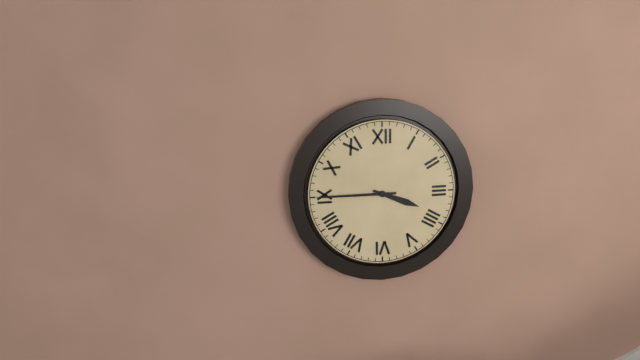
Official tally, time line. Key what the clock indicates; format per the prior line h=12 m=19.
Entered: h=3 m=45
